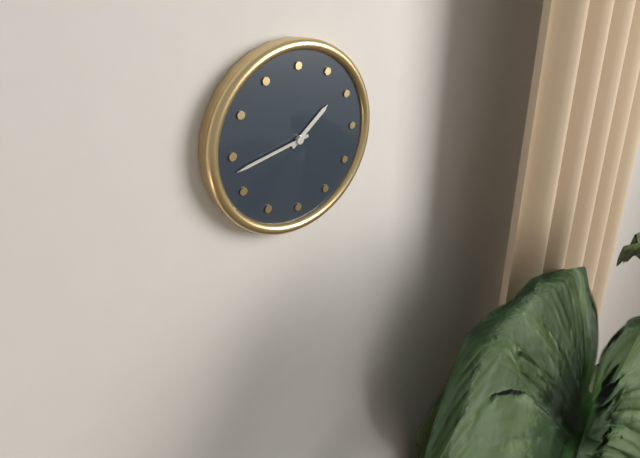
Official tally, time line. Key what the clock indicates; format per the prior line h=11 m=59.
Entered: h=1 m=43
